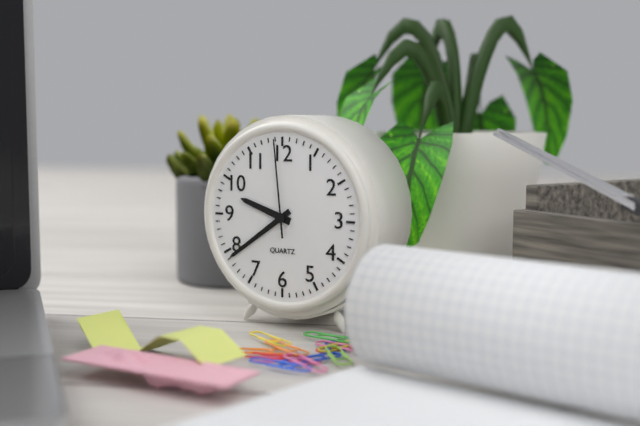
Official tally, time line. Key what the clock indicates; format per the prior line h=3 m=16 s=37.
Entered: h=9 m=39 s=59
